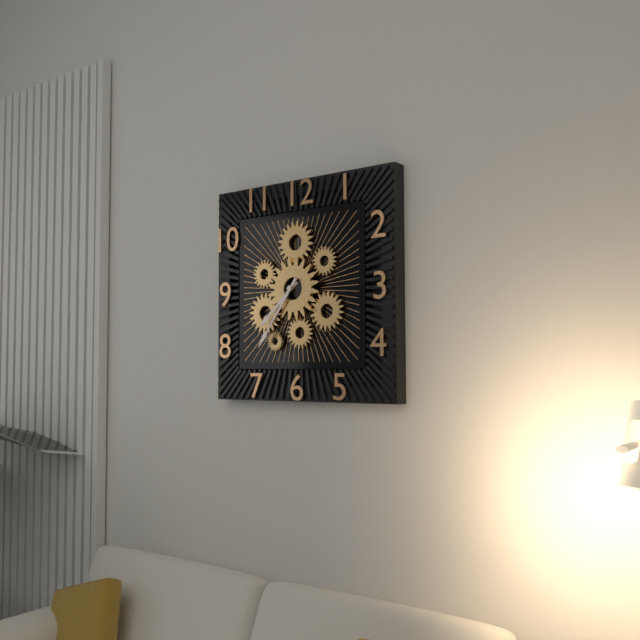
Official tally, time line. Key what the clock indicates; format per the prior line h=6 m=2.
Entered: h=7 m=36
